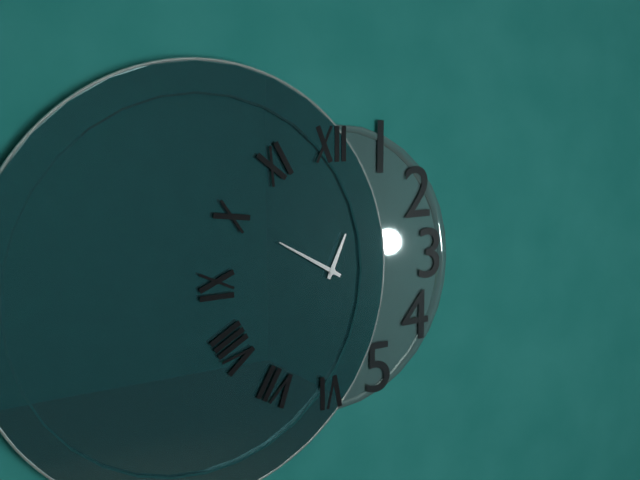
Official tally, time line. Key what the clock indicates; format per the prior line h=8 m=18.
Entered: h=12 m=50
